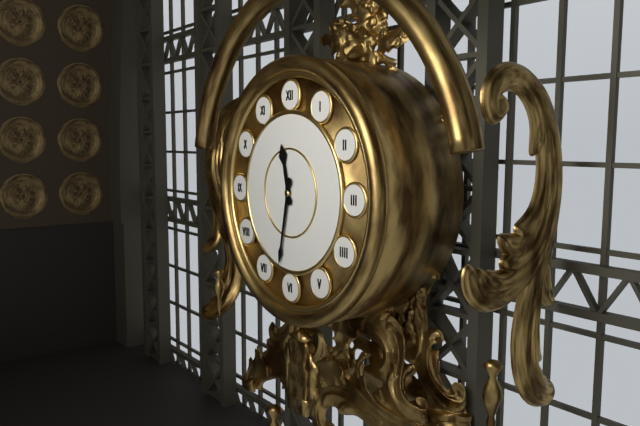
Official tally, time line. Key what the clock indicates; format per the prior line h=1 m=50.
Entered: h=11 m=32
